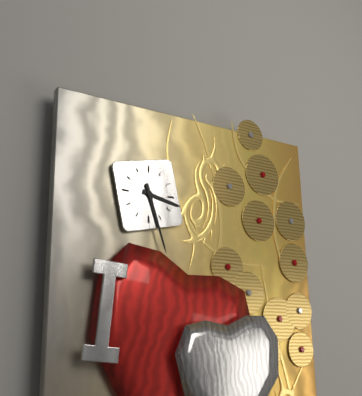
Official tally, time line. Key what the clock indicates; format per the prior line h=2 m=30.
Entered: h=3 m=27
